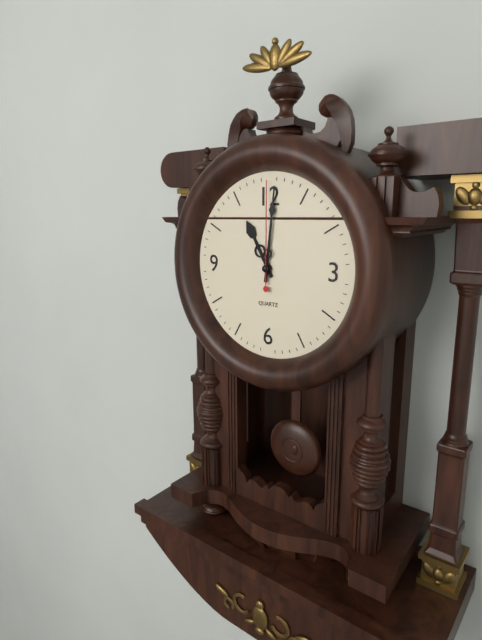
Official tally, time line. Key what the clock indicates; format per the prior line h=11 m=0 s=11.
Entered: h=11 m=1 s=0
